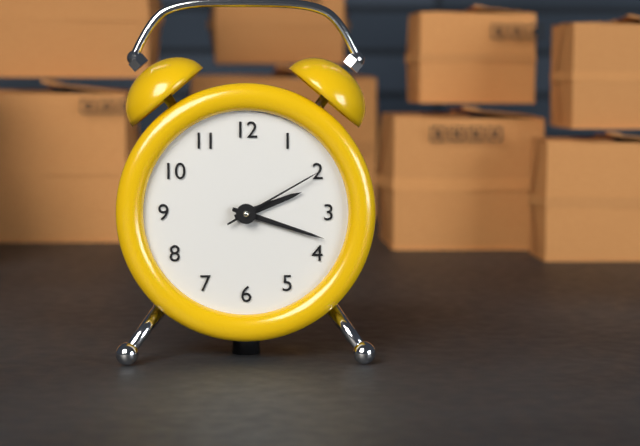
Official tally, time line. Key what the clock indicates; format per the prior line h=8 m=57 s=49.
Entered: h=2 m=18 s=10
